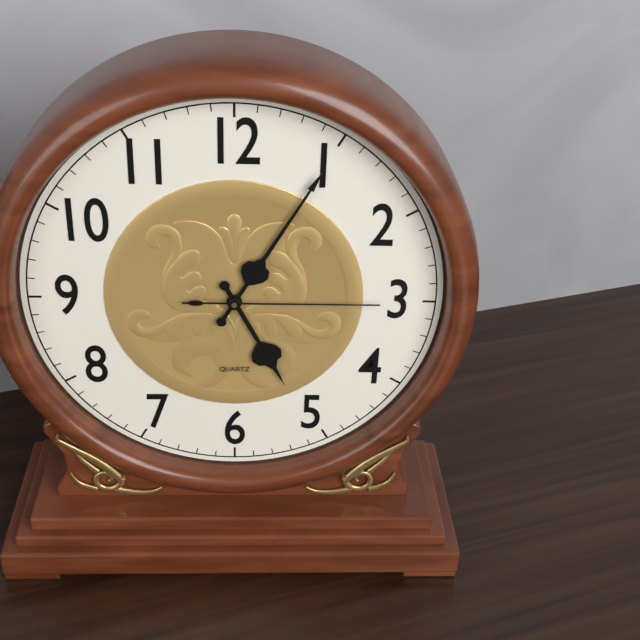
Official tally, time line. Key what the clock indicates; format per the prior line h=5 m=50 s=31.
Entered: h=5 m=5 s=15
